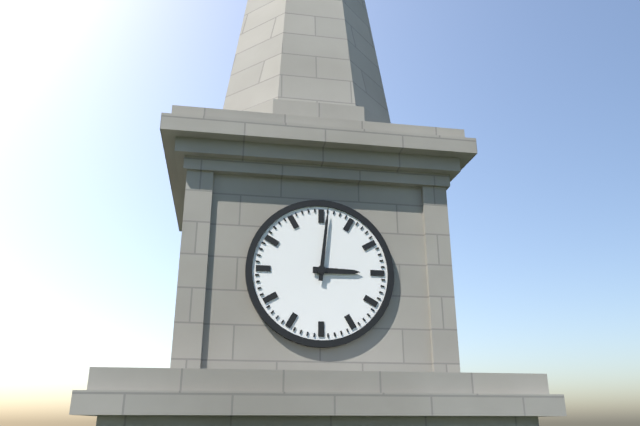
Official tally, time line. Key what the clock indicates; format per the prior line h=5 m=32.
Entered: h=3 m=1
